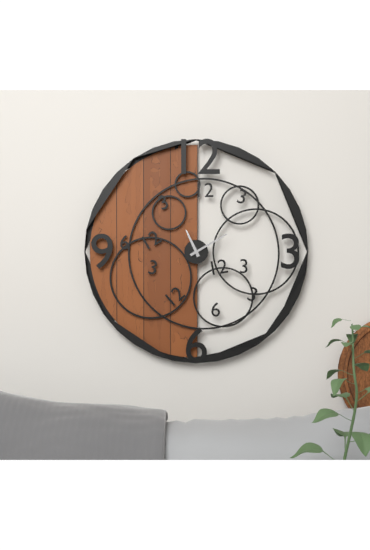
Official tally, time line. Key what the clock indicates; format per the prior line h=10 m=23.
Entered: h=11 m=10
